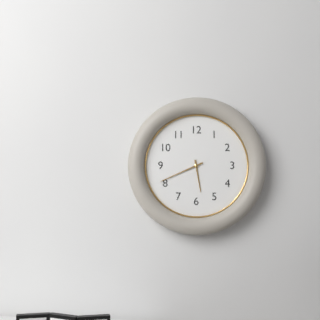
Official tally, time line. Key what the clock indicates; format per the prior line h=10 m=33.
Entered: h=5 m=41
